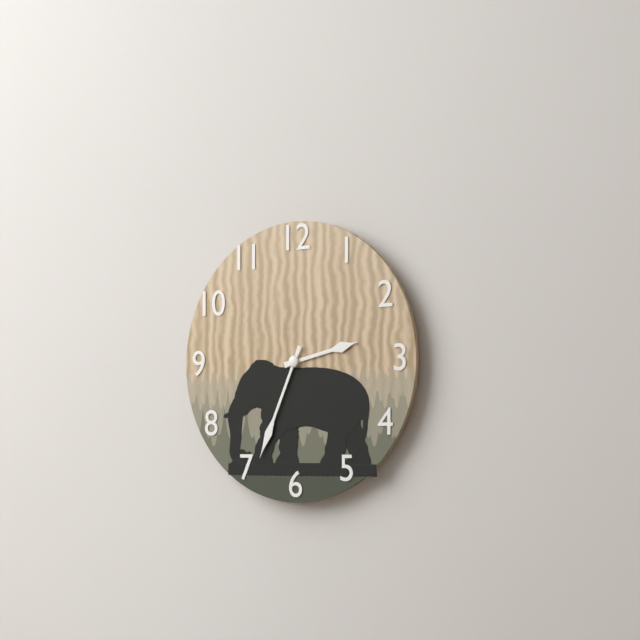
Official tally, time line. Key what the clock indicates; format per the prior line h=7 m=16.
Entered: h=2 m=34
